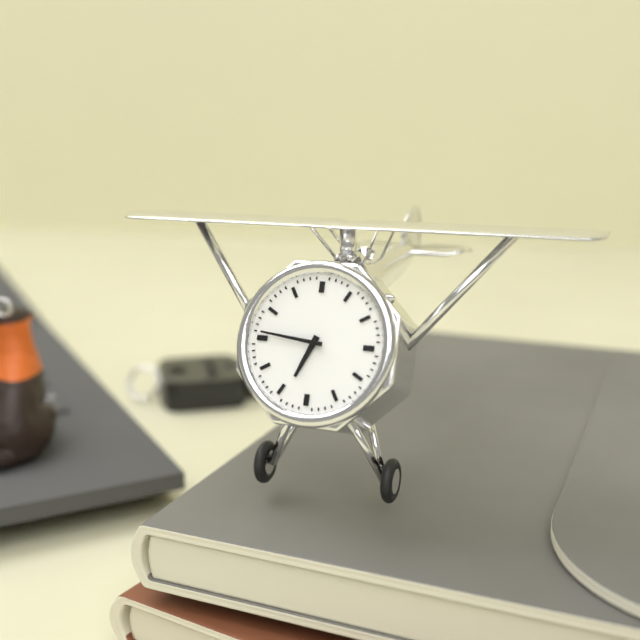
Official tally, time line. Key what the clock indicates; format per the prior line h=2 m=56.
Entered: h=6 m=46
